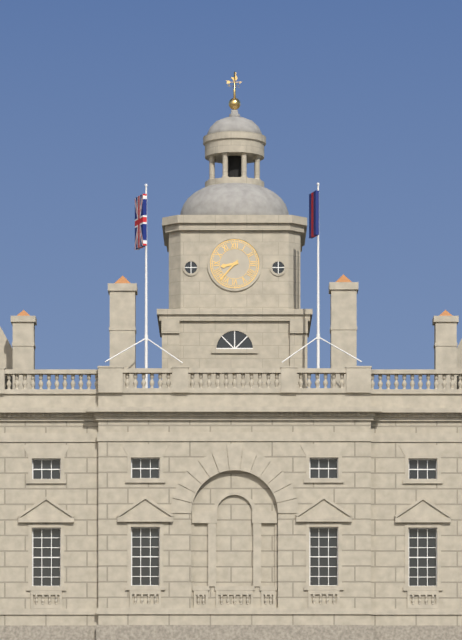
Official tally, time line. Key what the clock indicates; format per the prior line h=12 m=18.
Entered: h=8 m=37
